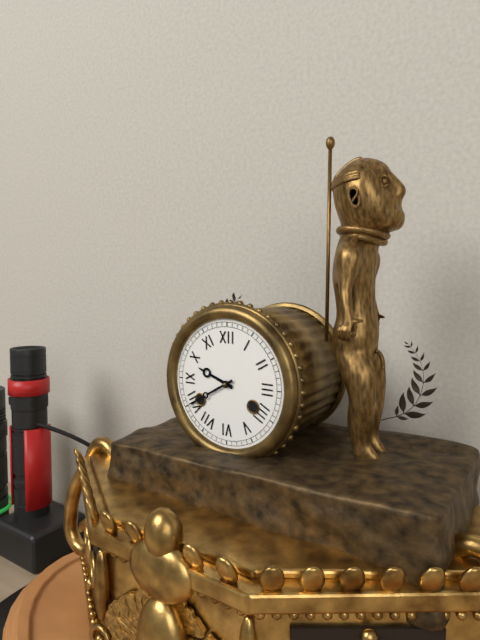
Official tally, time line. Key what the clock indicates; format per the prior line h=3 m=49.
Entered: h=9 m=40
